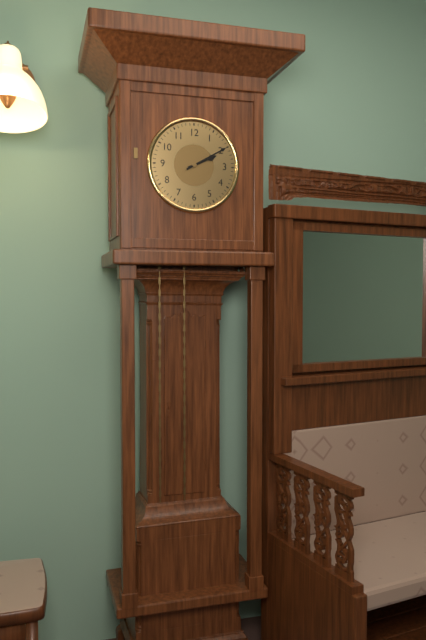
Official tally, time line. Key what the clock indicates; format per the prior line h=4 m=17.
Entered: h=2 m=10
